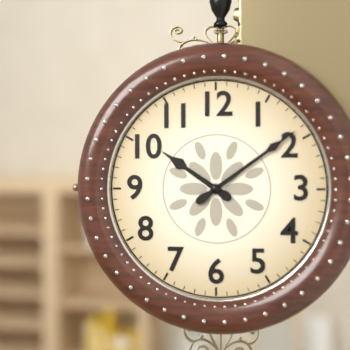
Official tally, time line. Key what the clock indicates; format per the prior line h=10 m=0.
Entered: h=10 m=9
